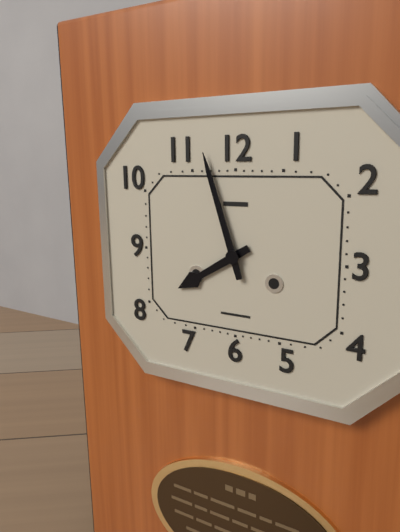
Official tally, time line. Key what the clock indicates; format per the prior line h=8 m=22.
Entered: h=7 m=57
